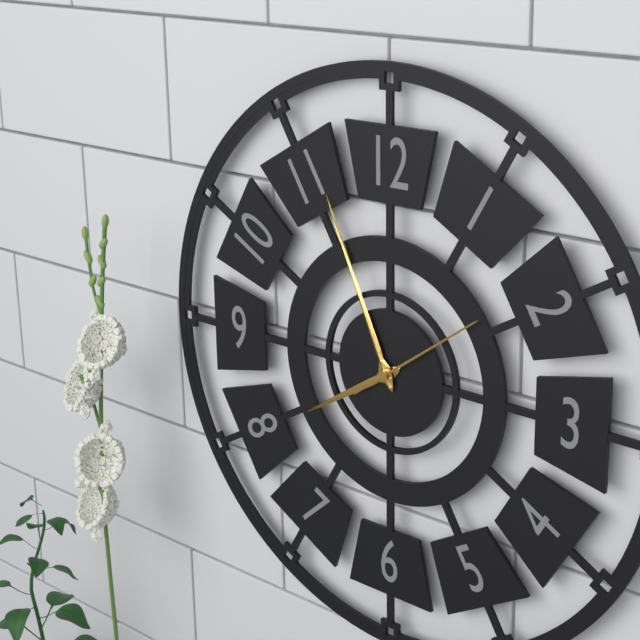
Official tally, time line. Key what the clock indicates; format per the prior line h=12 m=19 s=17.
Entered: h=7 m=56 s=9
